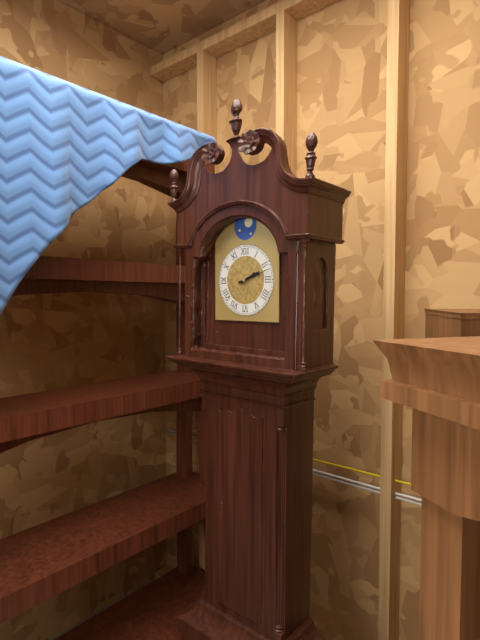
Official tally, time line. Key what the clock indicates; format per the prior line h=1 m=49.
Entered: h=2 m=12
